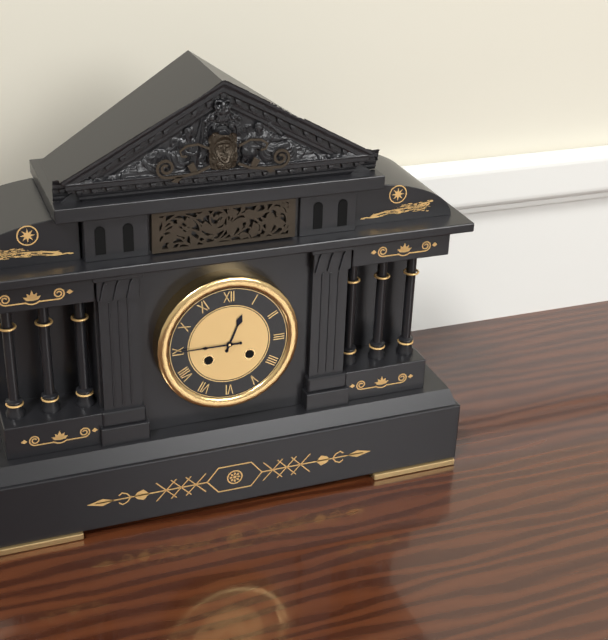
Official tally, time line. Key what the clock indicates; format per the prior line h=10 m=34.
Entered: h=12 m=45
